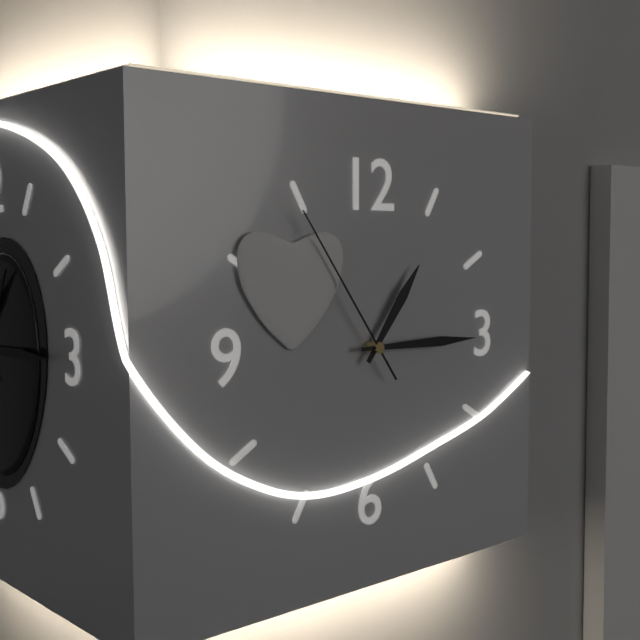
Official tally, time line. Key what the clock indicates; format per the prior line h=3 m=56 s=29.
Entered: h=1 m=15 s=54
